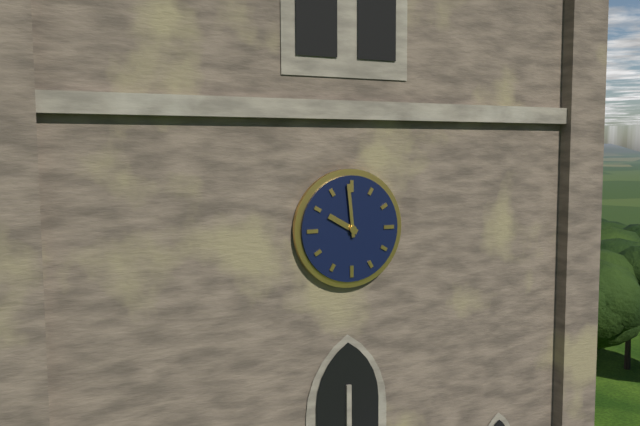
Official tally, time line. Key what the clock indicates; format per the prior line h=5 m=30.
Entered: h=9 m=59
